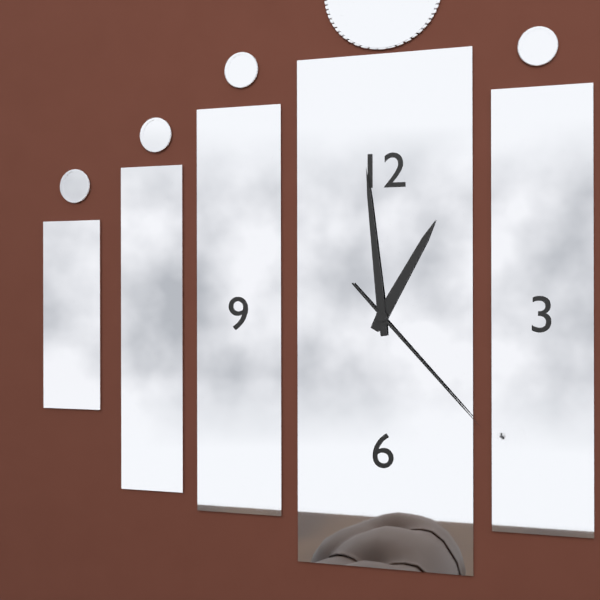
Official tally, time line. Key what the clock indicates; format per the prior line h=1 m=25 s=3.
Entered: h=12 m=59 s=23
